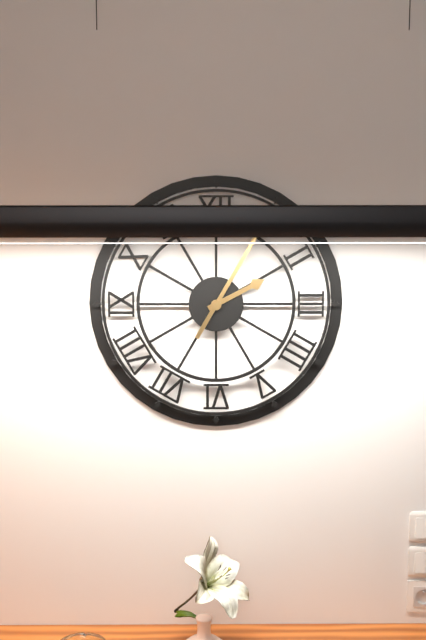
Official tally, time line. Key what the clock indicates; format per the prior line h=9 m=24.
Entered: h=2 m=5
